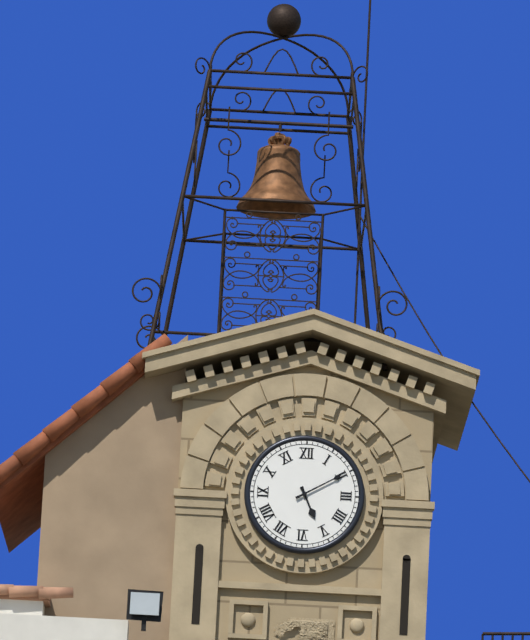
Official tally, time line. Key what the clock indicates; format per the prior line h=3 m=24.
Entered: h=5 m=10
